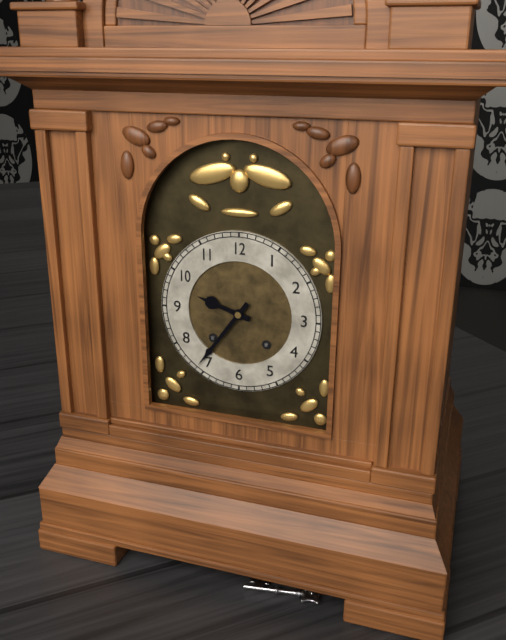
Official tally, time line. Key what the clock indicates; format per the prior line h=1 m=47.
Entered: h=9 m=36
